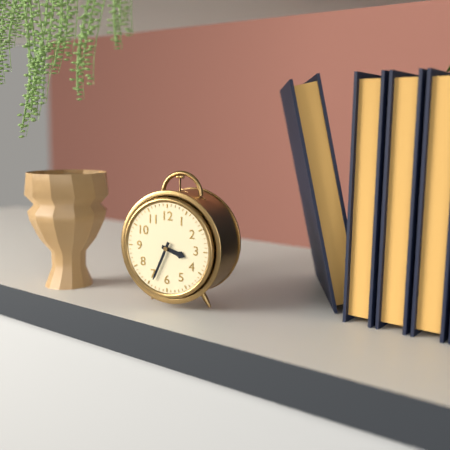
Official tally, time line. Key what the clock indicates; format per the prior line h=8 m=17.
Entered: h=3 m=34
